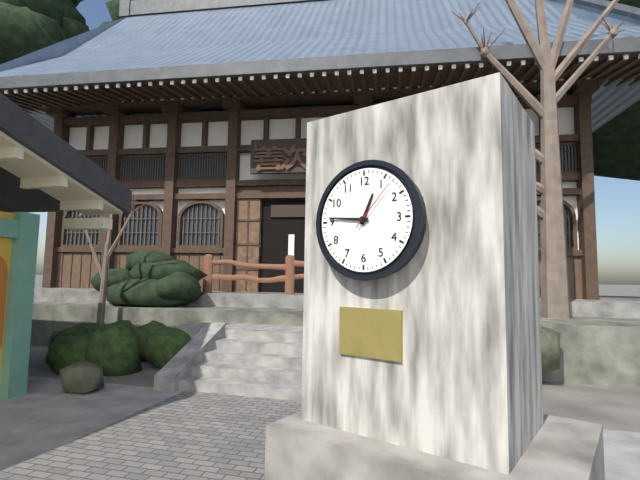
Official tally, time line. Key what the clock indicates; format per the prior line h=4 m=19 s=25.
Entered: h=12 m=46 s=7
